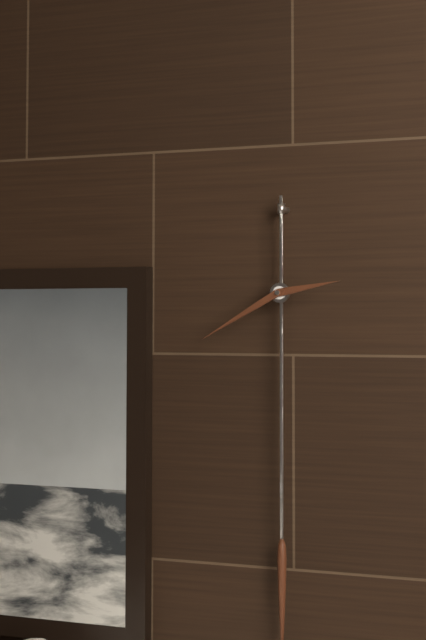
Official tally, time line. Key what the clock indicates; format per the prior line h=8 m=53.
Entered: h=2 m=40
